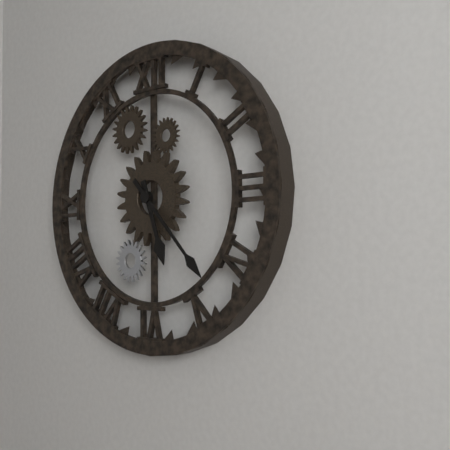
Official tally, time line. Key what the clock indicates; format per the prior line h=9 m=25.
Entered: h=5 m=23
